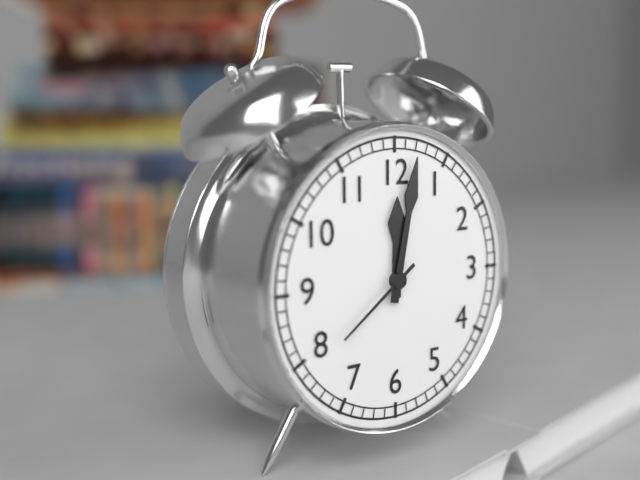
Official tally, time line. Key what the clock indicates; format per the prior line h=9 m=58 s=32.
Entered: h=12 m=2 s=39
